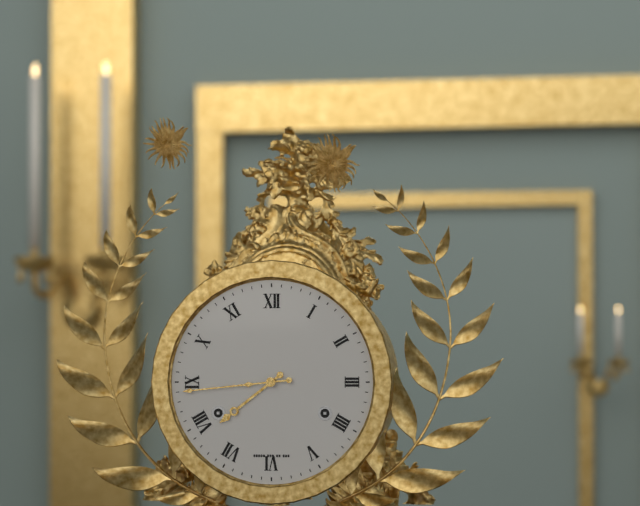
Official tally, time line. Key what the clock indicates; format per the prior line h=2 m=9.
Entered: h=7 m=44
